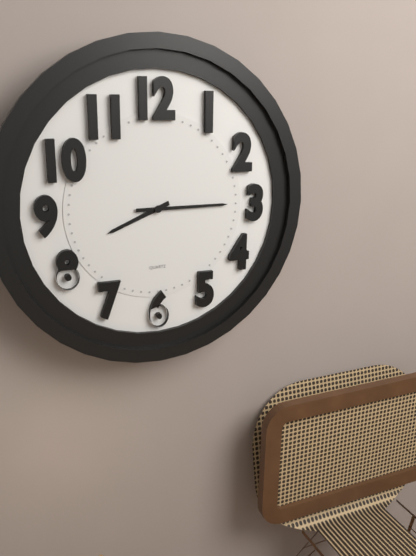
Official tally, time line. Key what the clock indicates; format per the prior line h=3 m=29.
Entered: h=8 m=15
